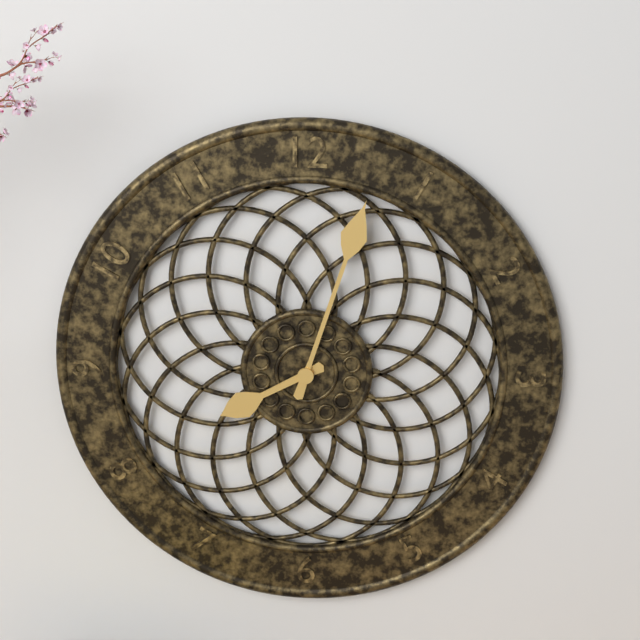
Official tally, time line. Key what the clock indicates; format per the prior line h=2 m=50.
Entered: h=8 m=3
